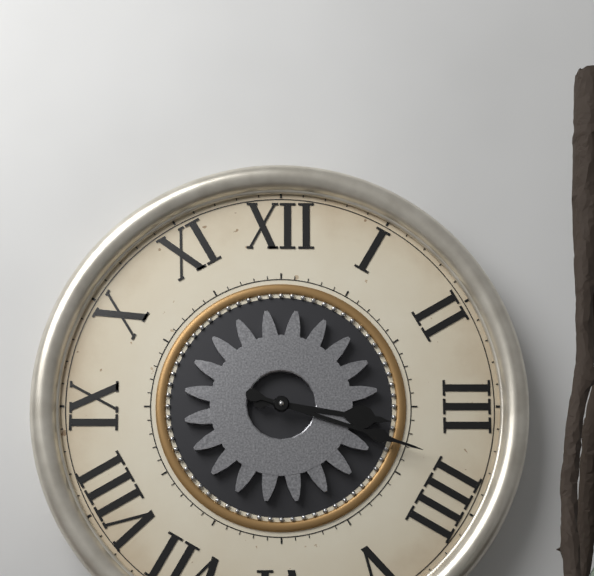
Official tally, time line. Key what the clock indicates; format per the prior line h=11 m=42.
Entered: h=3 m=18
